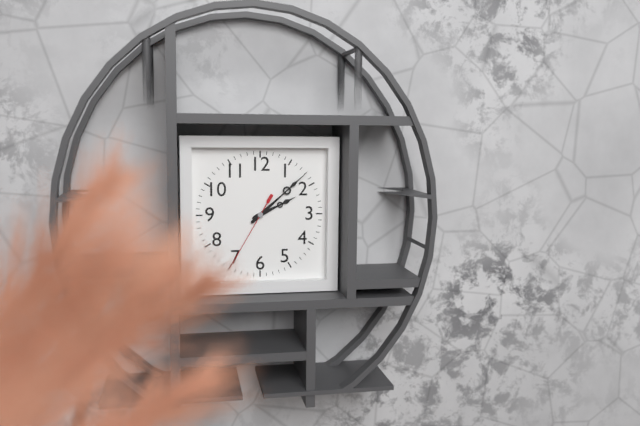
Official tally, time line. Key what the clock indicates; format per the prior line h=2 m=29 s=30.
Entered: h=2 m=8 s=35
